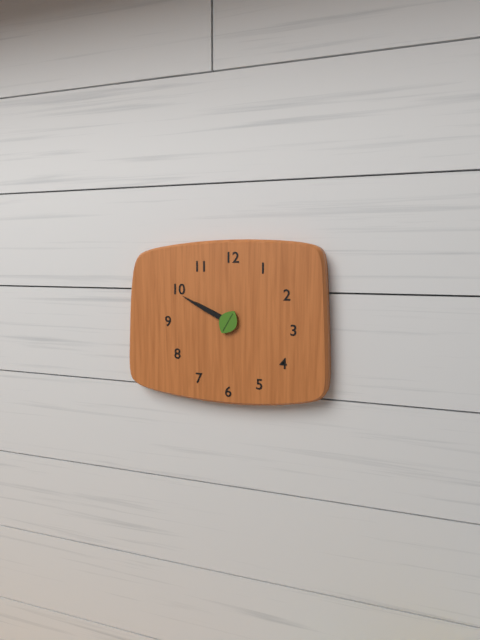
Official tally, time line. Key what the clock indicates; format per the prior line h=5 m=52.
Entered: h=9 m=49
